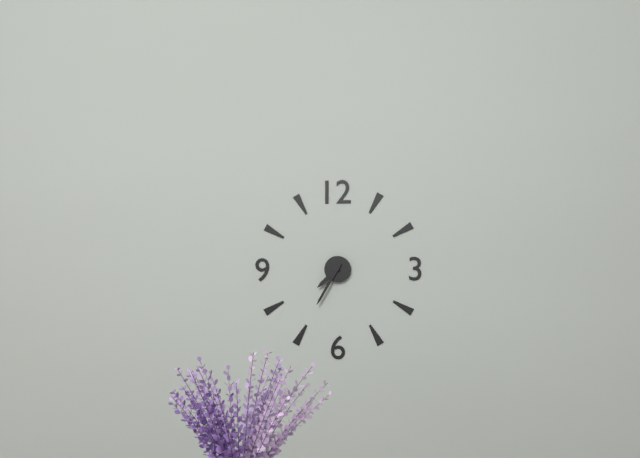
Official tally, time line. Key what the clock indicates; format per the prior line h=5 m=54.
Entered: h=7 m=35
